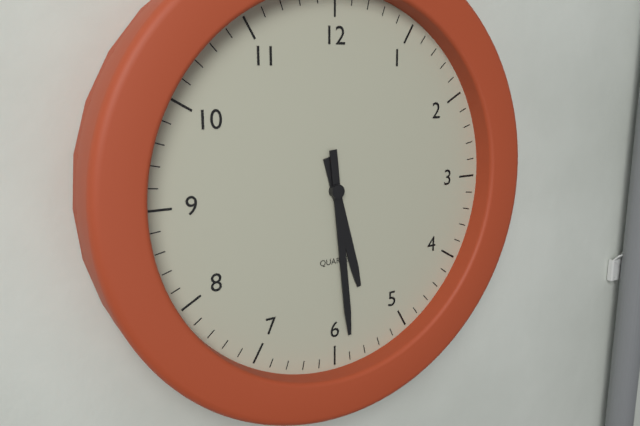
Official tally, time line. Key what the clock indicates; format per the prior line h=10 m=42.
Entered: h=5 m=29
